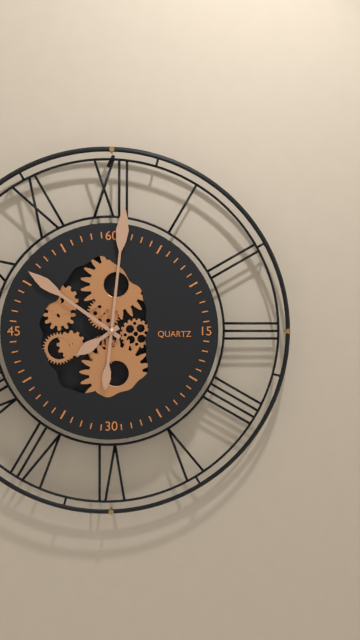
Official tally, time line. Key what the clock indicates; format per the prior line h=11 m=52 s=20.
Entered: h=7 m=51 s=1
